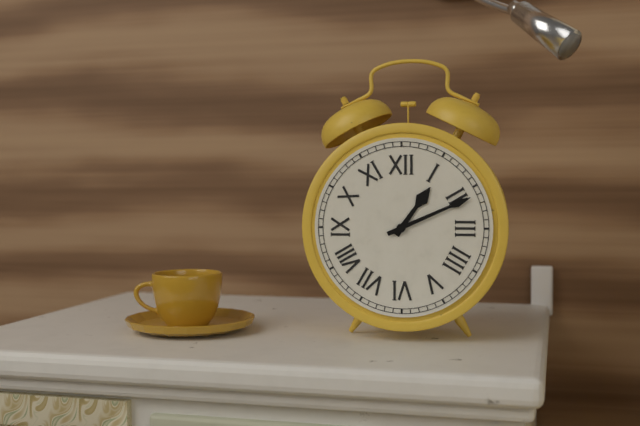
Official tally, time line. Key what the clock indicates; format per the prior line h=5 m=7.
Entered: h=1 m=11
